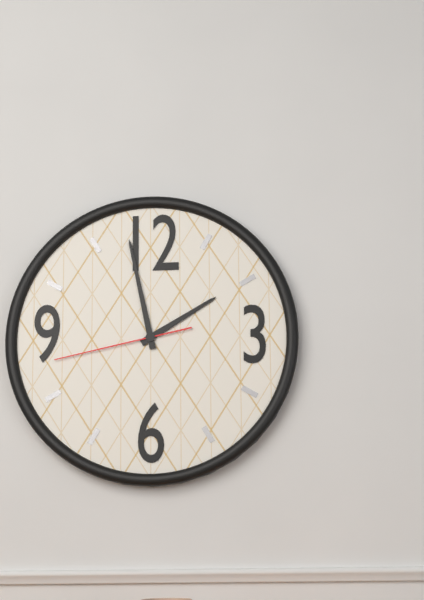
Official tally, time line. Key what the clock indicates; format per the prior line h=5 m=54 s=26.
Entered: h=1 m=58 s=43
